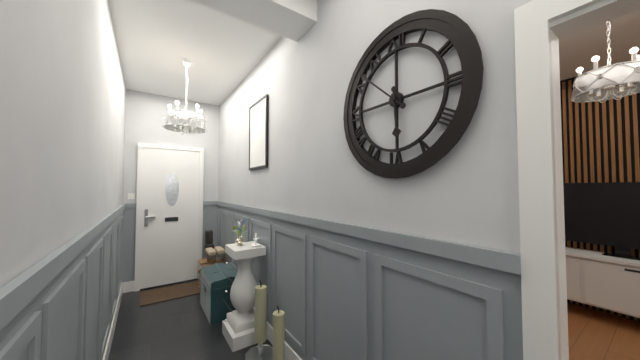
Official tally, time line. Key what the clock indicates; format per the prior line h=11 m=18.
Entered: h=5 m=52
